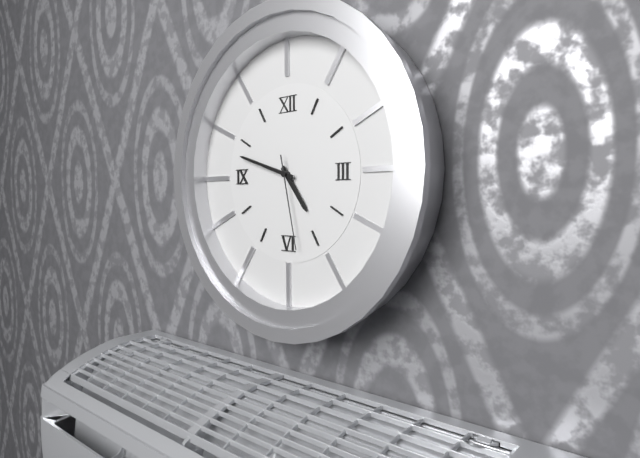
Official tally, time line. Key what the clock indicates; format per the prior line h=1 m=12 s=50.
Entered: h=4 m=48 s=28
